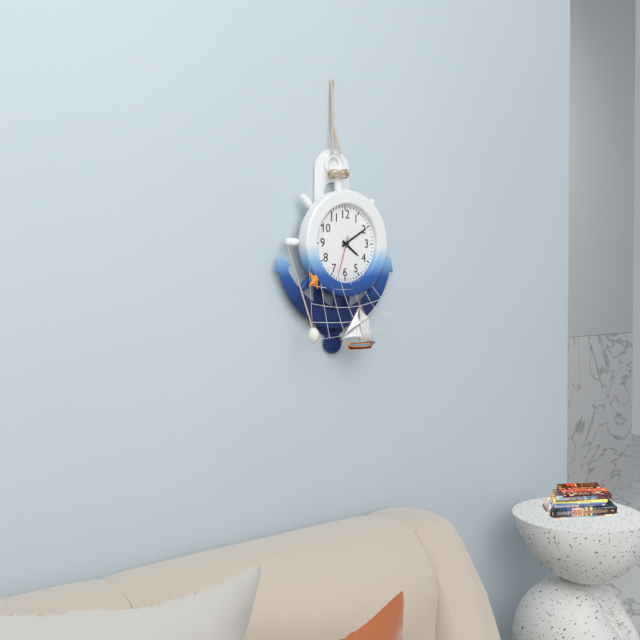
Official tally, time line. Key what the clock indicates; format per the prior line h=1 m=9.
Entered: h=4 m=10
